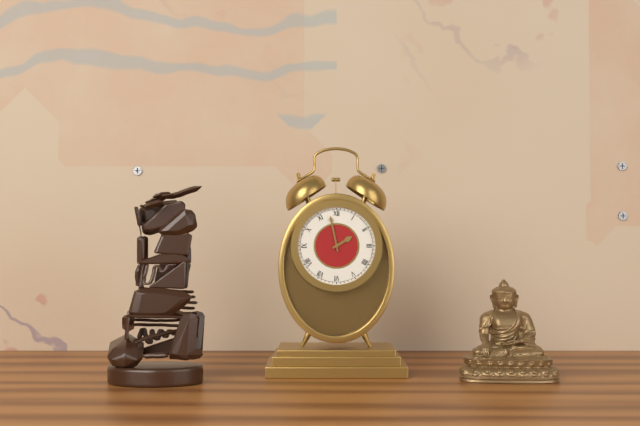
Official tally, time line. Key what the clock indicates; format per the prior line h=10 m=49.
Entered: h=1 m=58
